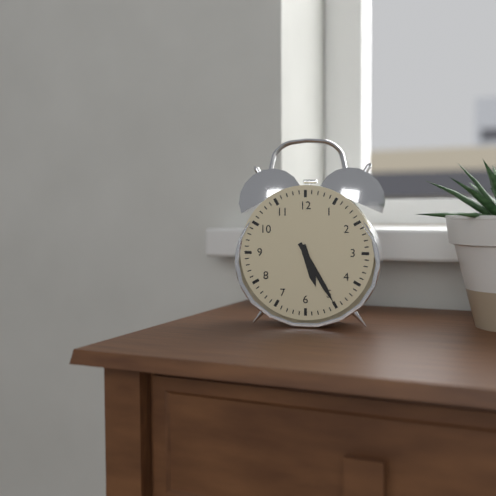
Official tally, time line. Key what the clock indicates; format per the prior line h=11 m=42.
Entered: h=5 m=25
